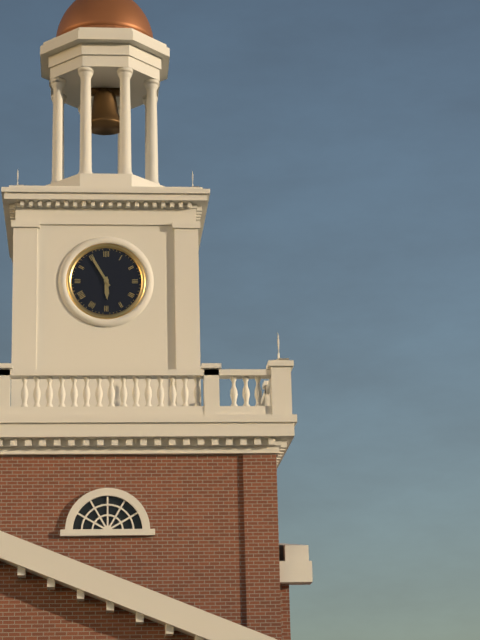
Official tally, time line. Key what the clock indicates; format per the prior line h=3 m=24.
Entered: h=5 m=55
